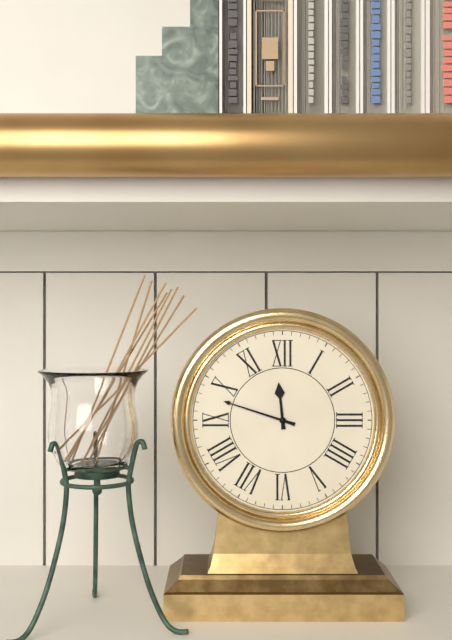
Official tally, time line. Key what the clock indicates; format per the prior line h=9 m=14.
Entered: h=11 m=48
